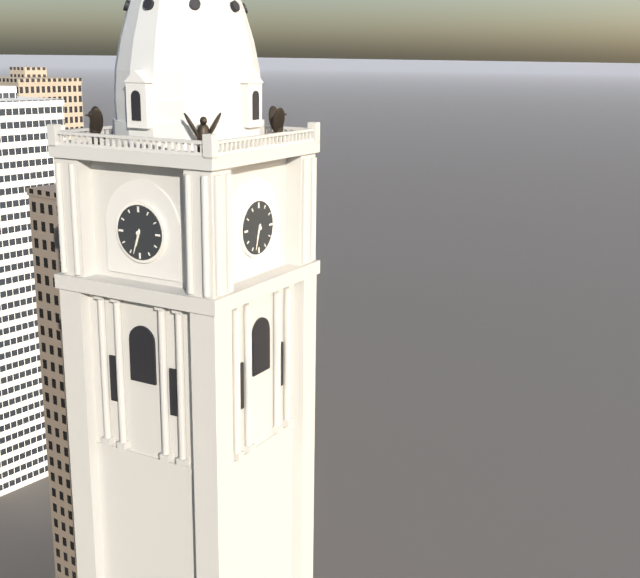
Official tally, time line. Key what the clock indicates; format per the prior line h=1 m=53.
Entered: h=6 m=33
